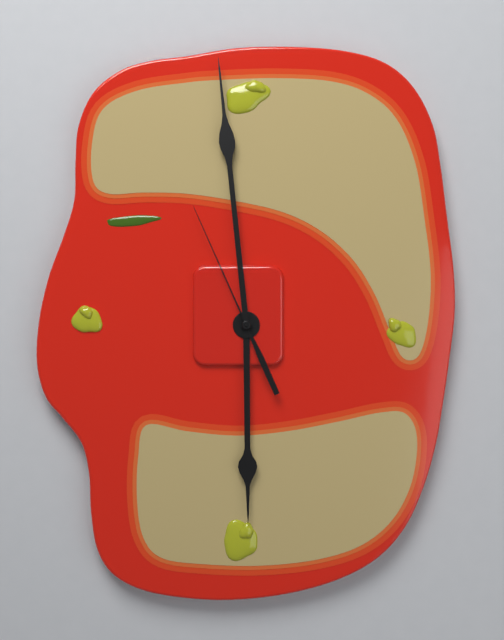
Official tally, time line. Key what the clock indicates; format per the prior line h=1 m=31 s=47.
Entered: h=5 m=59 s=56
